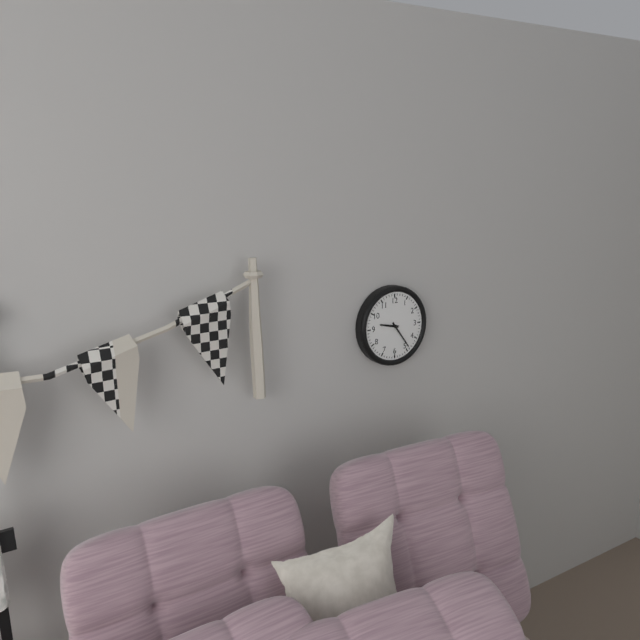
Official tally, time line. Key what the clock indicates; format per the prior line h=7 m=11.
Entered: h=9 m=24
